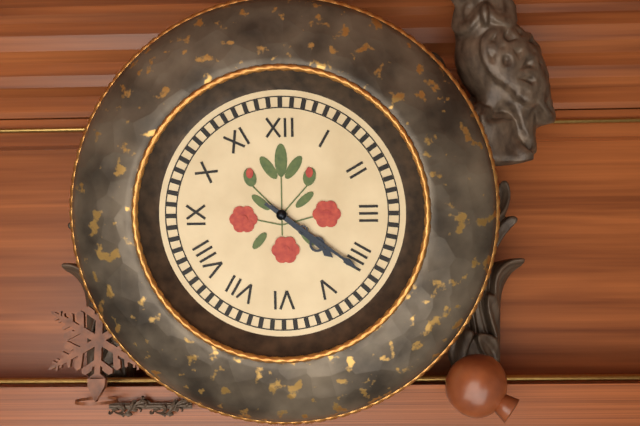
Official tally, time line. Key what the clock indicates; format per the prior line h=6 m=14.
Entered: h=4 m=21
